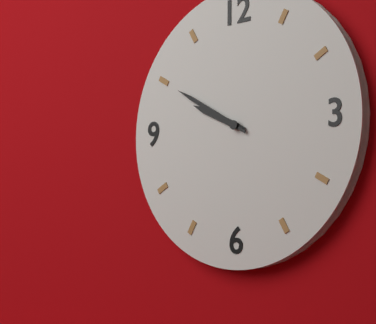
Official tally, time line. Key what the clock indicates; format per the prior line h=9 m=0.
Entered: h=9 m=50
